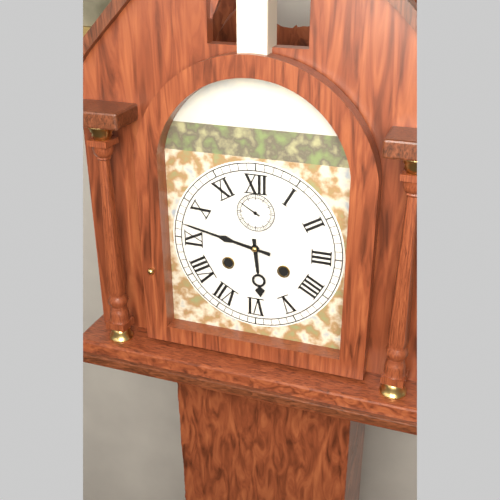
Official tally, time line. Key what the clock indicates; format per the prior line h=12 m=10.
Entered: h=5 m=47
